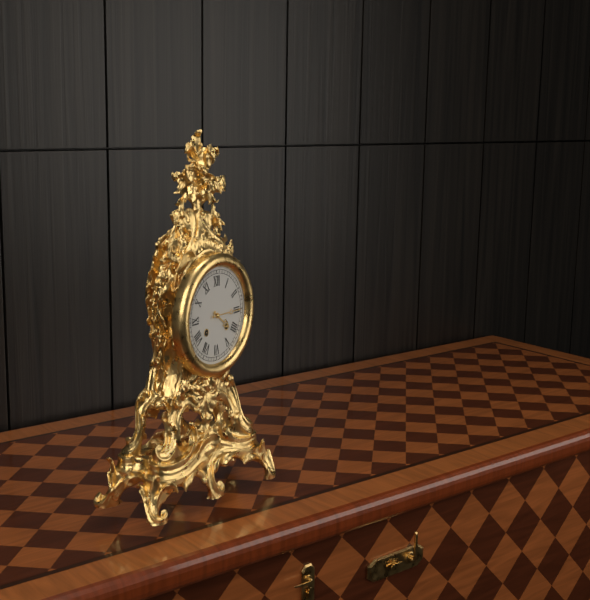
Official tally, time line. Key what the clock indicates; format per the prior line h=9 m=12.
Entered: h=4 m=15
